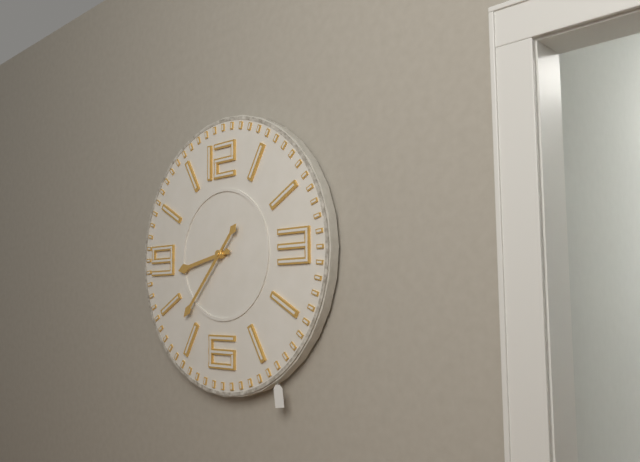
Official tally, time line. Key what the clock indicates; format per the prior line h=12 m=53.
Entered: h=8 m=37
